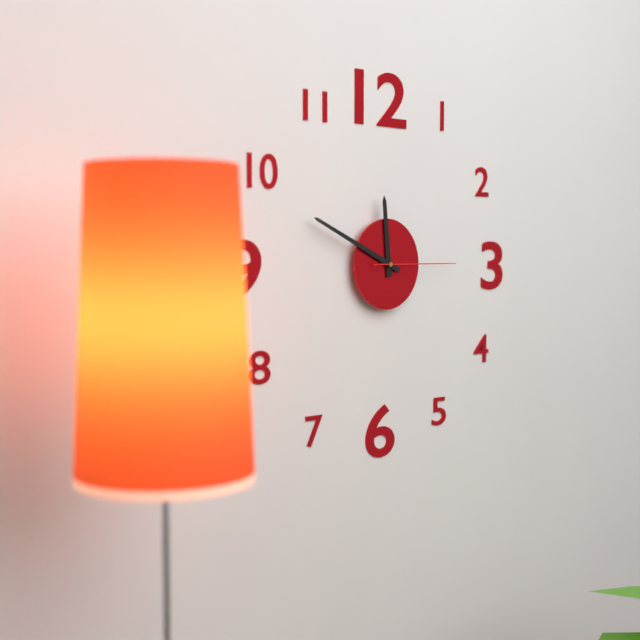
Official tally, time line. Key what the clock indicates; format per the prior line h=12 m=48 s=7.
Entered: h=11 m=49 s=15
